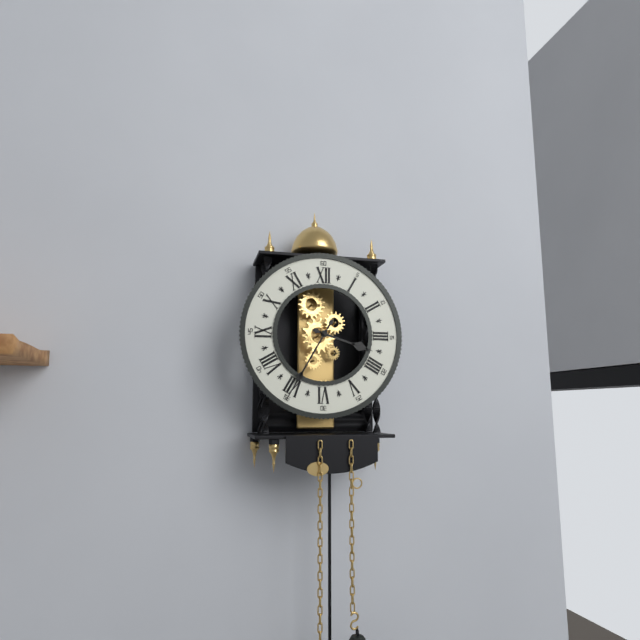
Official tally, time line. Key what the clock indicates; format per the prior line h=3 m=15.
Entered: h=3 m=35
